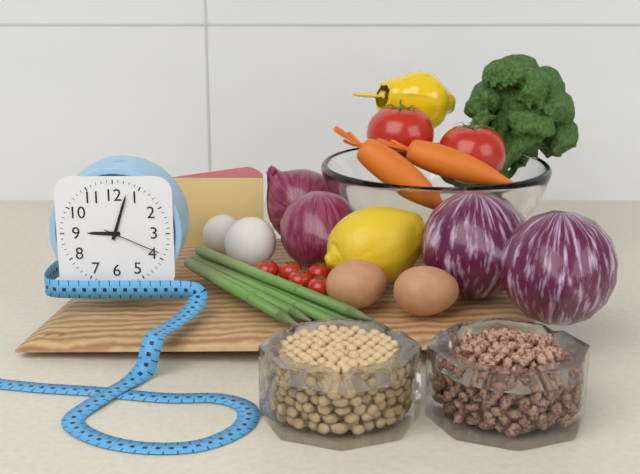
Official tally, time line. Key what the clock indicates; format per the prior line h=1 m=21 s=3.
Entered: h=9 m=3 s=19
